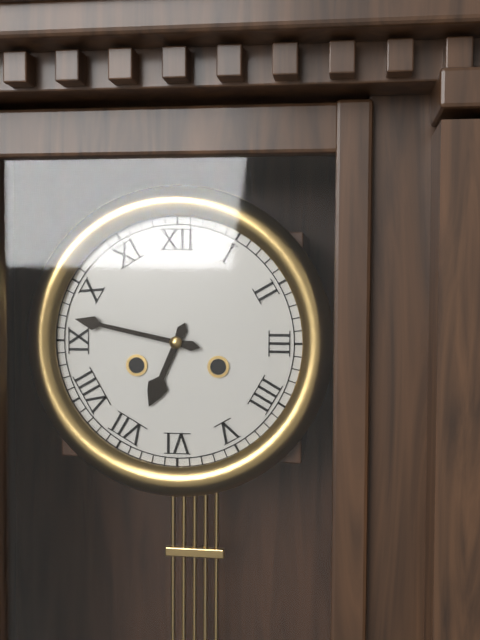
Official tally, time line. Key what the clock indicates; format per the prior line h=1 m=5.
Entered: h=6 m=47
